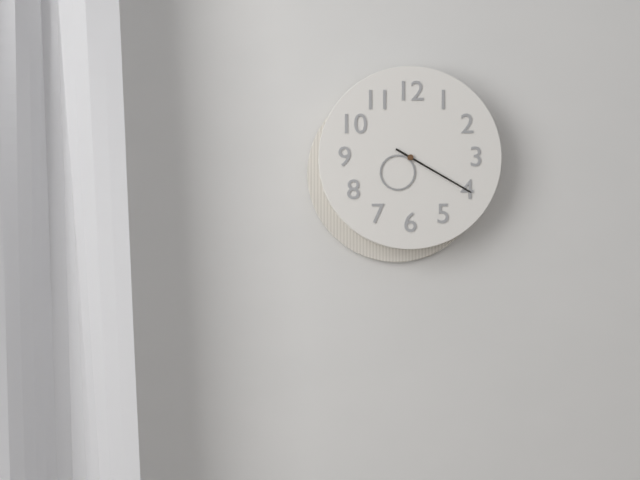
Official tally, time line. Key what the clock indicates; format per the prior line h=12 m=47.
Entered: h=7 m=20
